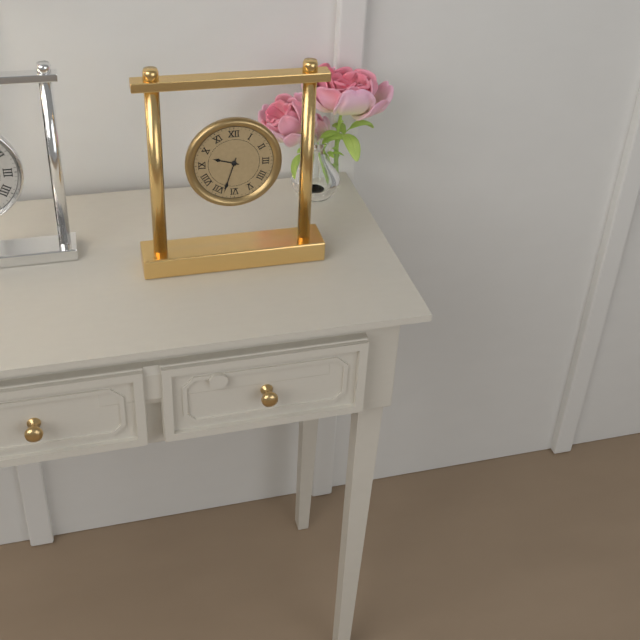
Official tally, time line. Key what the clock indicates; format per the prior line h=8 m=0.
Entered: h=9 m=33
